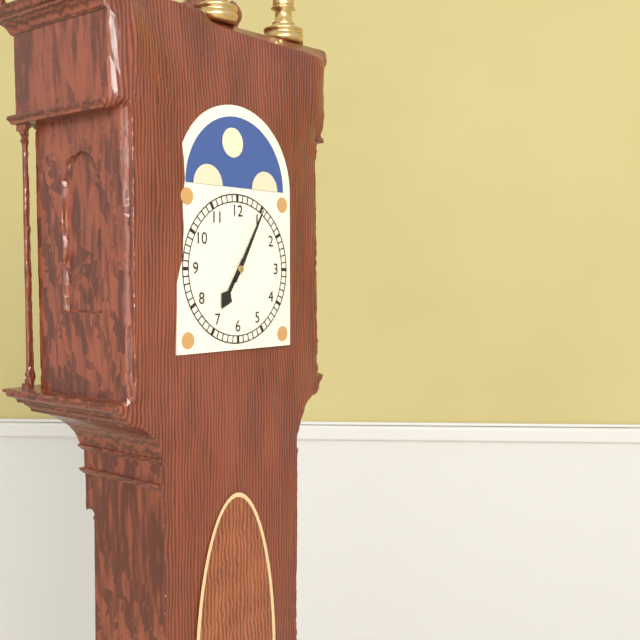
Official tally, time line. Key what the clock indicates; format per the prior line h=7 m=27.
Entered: h=7 m=5
